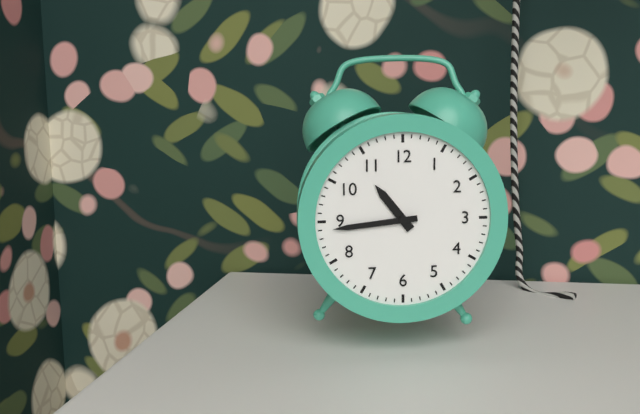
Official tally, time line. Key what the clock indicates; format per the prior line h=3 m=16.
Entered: h=10 m=44
